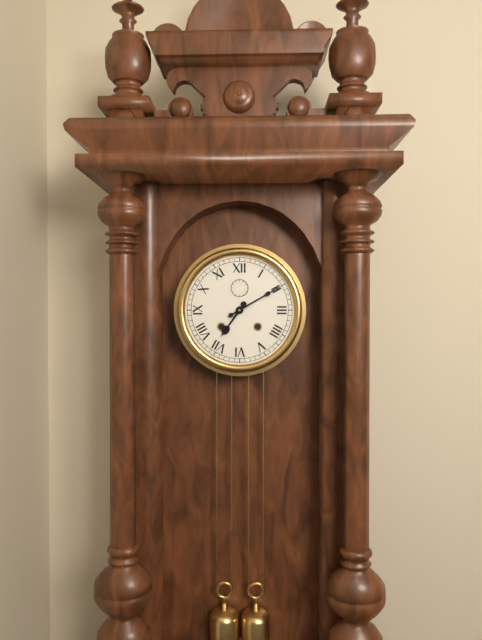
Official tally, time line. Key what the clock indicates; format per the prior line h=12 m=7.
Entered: h=7 m=10
